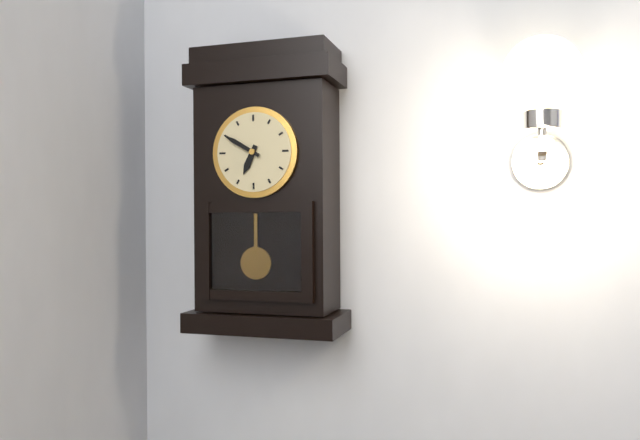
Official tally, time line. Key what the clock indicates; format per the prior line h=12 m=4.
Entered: h=6 m=50
